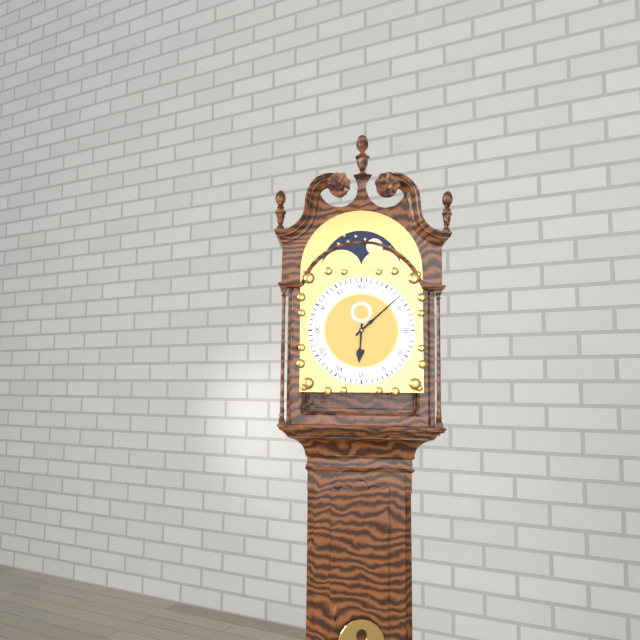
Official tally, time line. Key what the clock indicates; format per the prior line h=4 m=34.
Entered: h=6 m=8
